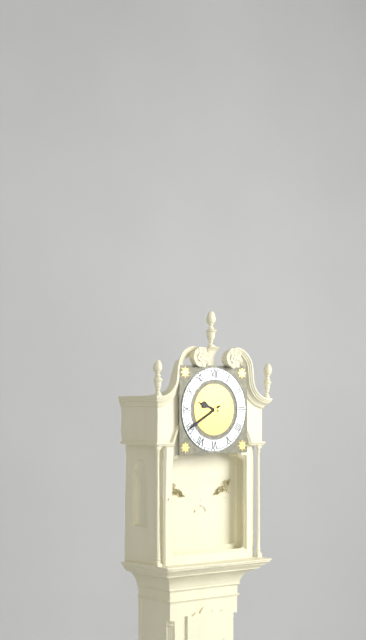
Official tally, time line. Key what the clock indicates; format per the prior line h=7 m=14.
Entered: h=9 m=40
